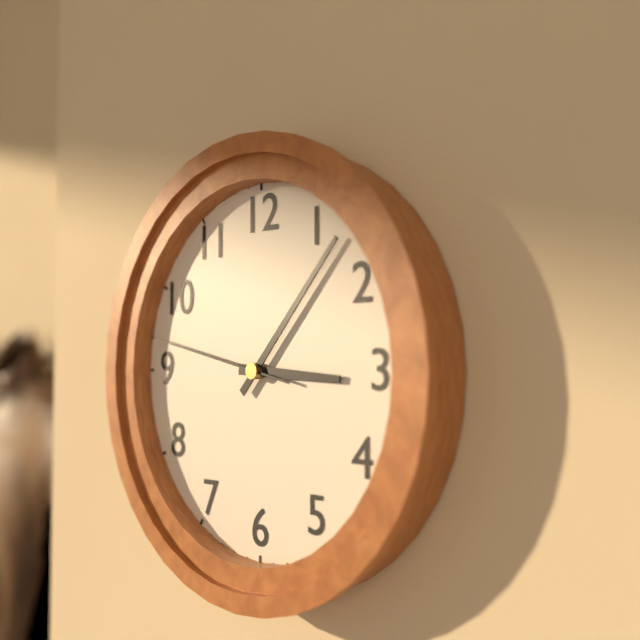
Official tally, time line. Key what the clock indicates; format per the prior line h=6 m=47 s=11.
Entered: h=3 m=7 s=47
